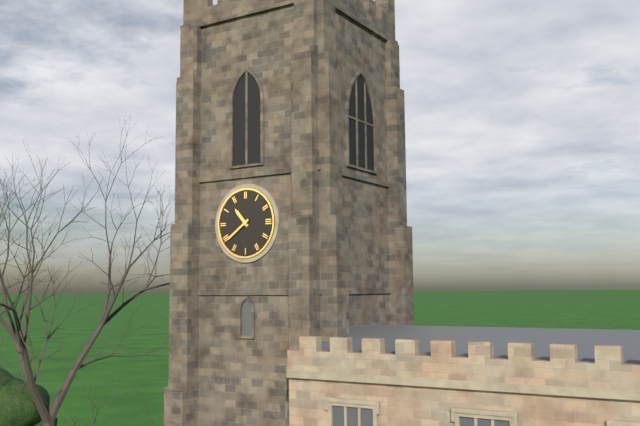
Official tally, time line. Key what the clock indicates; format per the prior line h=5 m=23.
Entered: h=10 m=39
